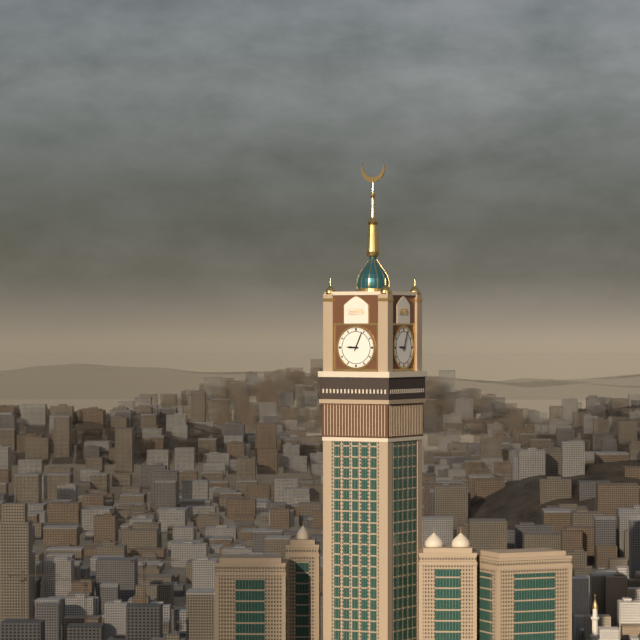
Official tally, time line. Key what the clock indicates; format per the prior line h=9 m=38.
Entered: h=9 m=4
